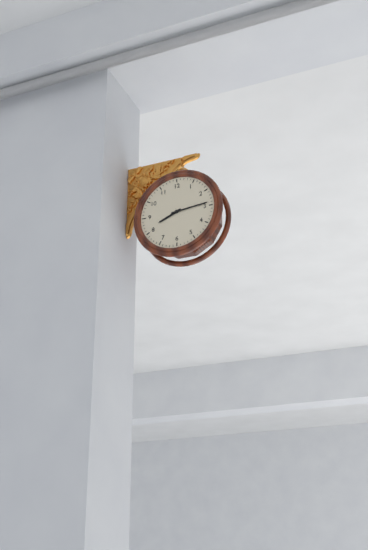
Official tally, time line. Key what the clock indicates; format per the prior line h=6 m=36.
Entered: h=8 m=14
